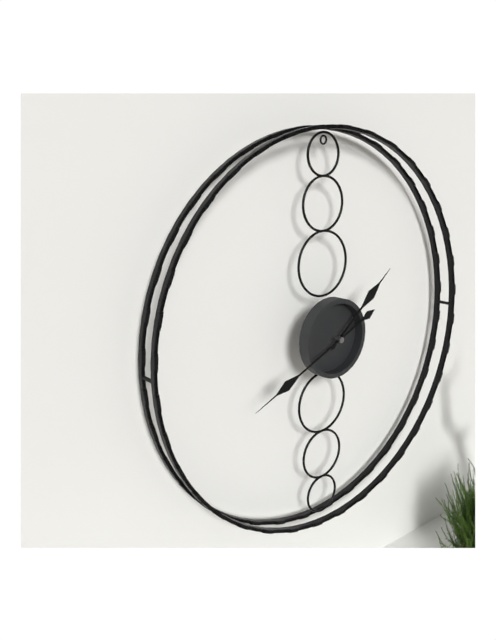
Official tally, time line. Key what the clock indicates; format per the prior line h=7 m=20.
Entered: h=1 m=41
